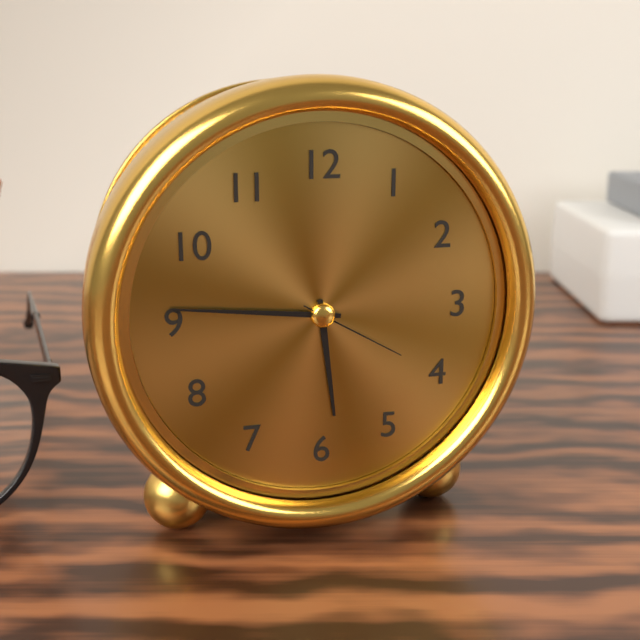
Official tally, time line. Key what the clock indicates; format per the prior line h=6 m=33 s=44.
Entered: h=5 m=46 s=20
